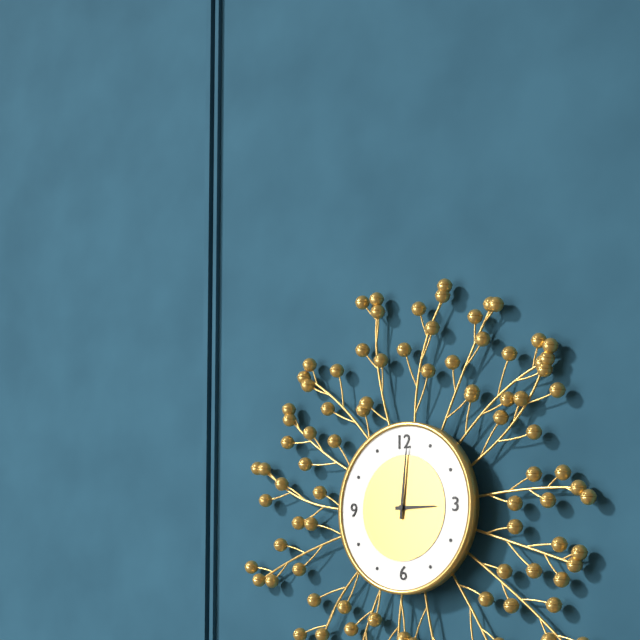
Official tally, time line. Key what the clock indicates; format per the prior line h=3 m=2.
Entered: h=3 m=1
